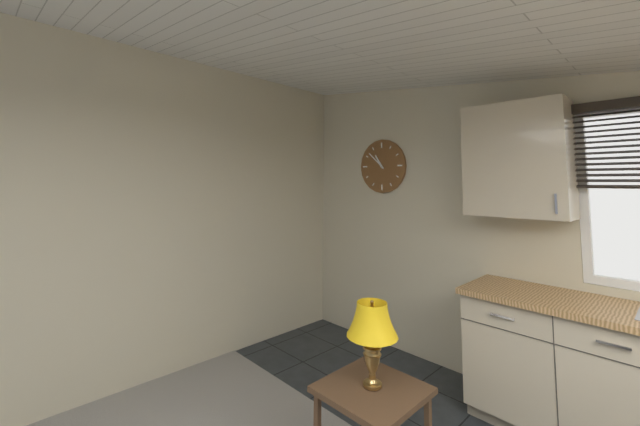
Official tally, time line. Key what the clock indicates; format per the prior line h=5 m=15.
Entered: h=10 m=52
